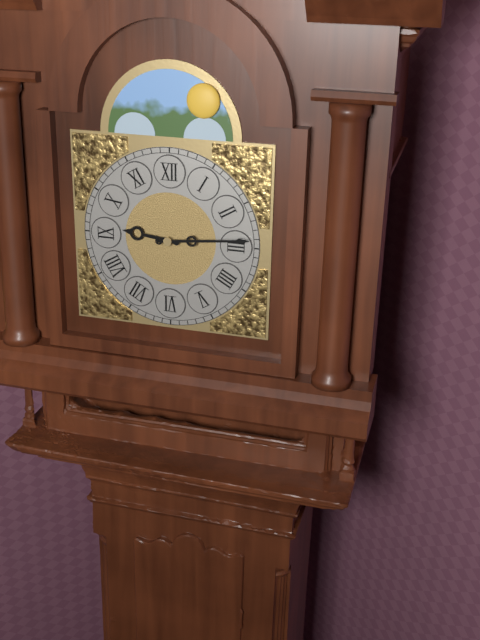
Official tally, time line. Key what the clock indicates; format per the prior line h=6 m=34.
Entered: h=9 m=14
